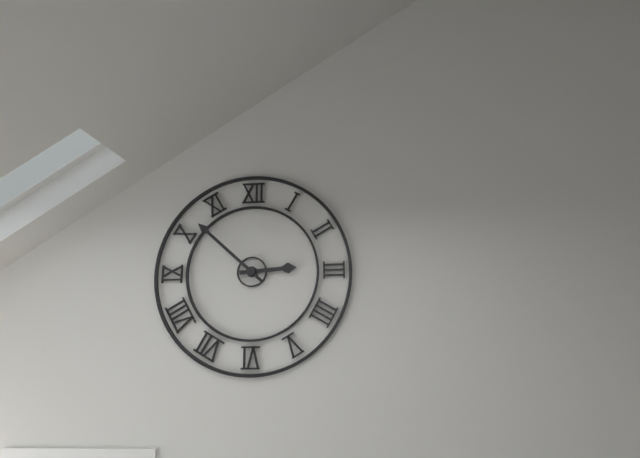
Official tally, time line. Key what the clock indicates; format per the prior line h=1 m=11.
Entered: h=2 m=52
